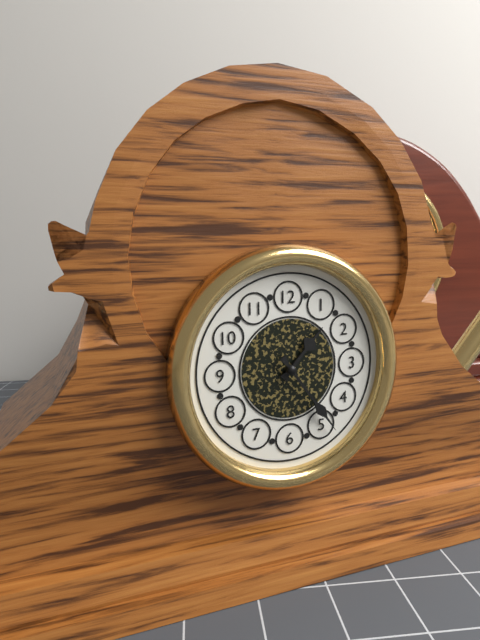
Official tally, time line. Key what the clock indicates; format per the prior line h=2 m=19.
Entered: h=1 m=24
